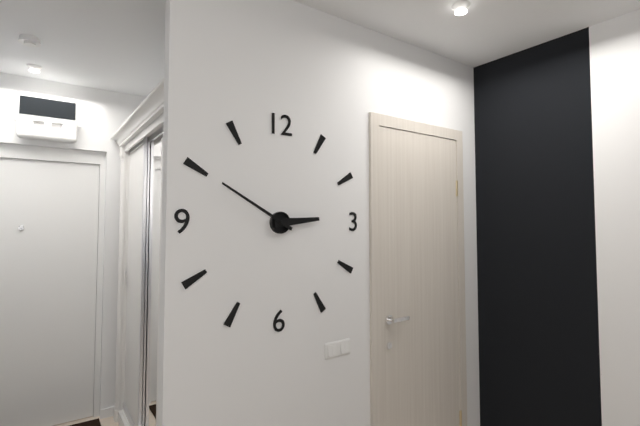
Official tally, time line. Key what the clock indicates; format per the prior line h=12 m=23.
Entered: h=2 m=50
